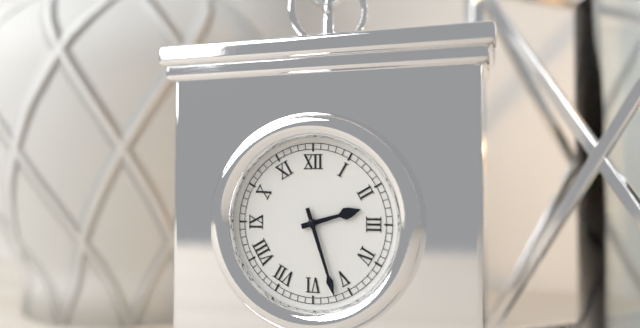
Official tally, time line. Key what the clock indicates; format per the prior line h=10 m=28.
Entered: h=2 m=27
